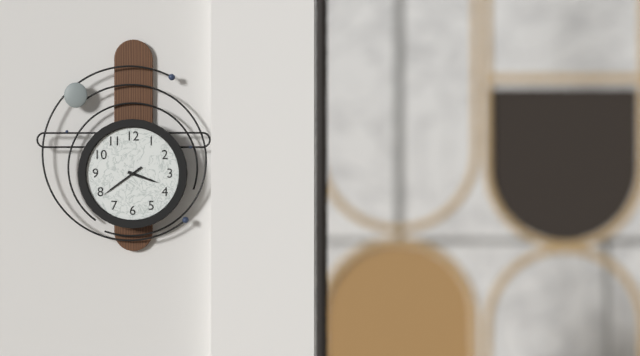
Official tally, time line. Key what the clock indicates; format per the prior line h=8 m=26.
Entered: h=3 m=39
